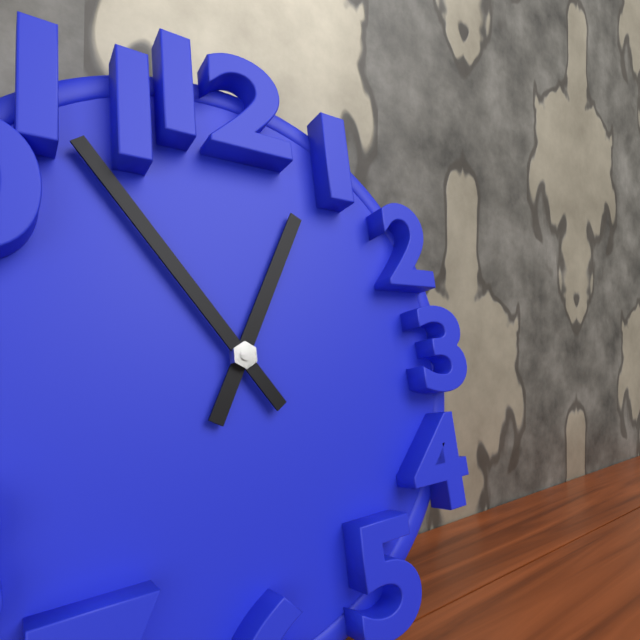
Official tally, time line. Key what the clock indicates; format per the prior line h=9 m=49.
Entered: h=12 m=54
